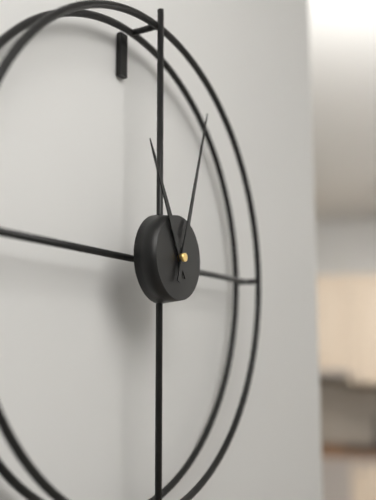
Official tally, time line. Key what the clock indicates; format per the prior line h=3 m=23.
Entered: h=11 m=3
